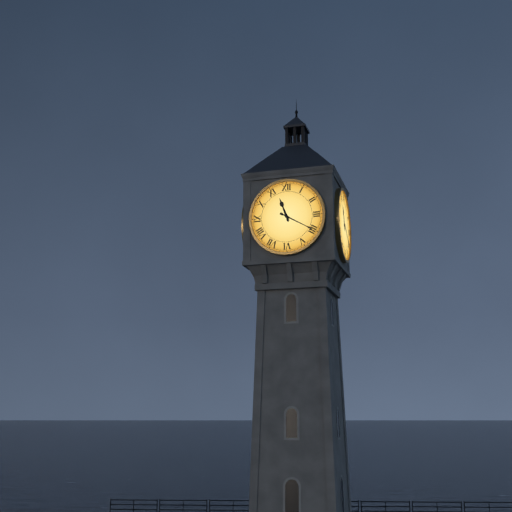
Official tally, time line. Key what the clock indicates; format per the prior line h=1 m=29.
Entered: h=11 m=20
